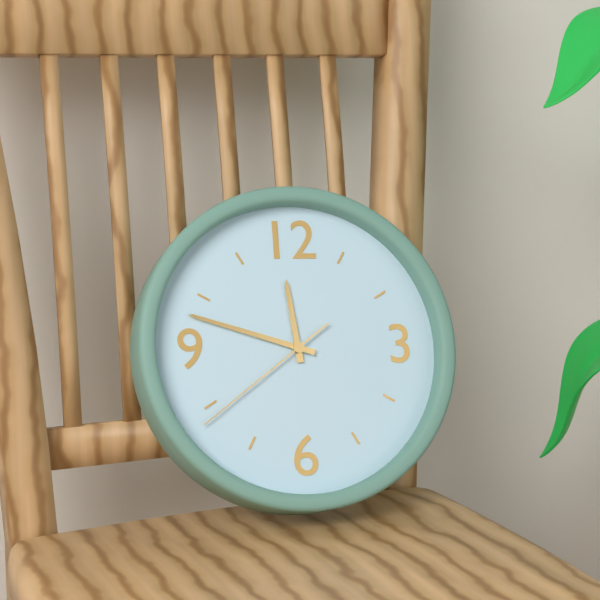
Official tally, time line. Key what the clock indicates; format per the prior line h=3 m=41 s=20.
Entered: h=11 m=48 s=39
